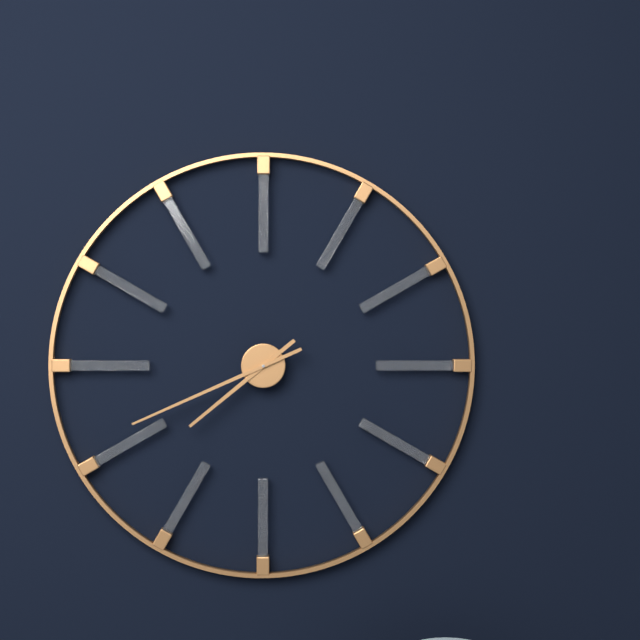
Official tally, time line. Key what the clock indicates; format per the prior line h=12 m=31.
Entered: h=7 m=41
